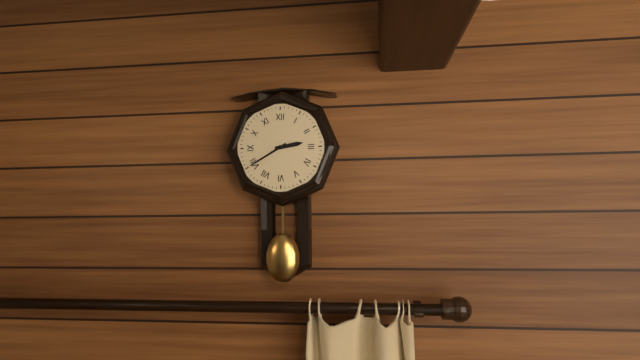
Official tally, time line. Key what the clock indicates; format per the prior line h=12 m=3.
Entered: h=2 m=40
